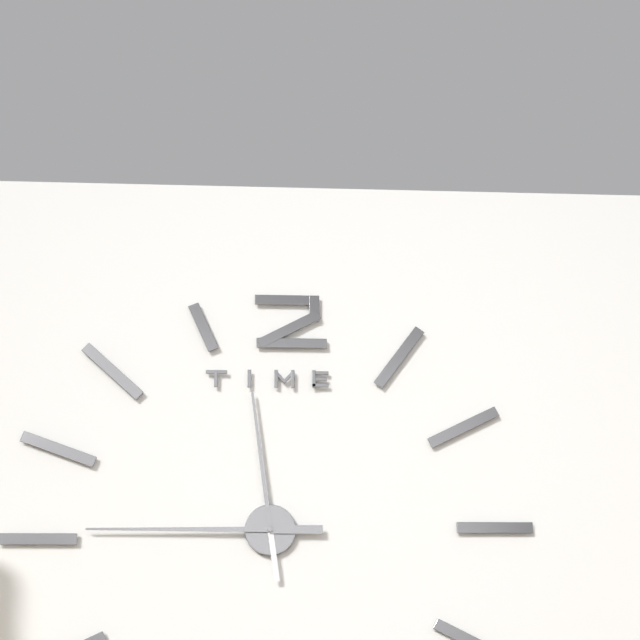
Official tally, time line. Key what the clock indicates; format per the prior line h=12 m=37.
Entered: h=11 m=45
